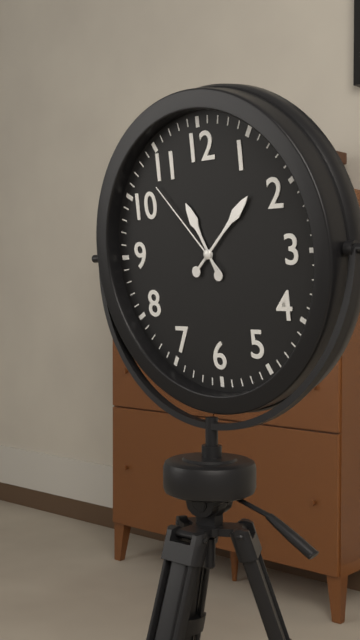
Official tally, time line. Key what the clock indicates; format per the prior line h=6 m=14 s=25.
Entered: h=11 m=8 s=53
